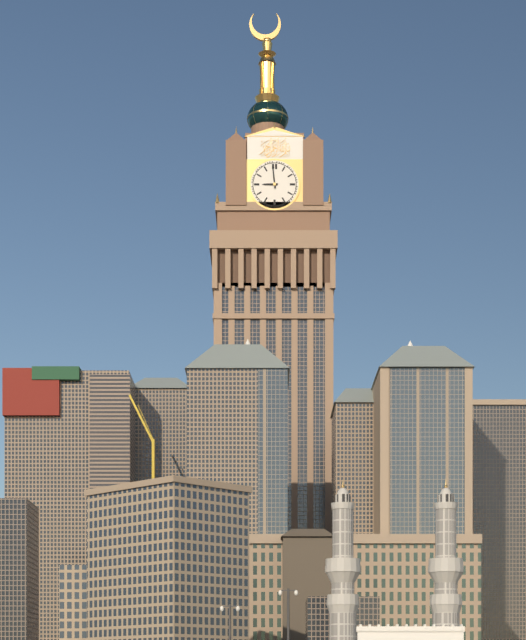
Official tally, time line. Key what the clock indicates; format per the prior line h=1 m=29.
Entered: h=8 m=59
